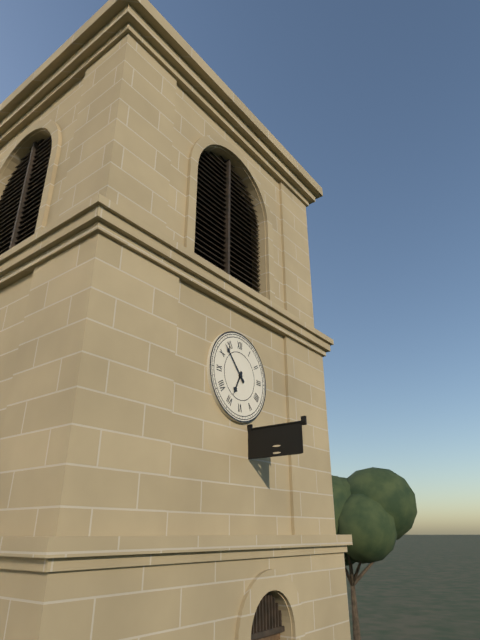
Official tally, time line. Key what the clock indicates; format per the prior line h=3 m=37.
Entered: h=6 m=53
